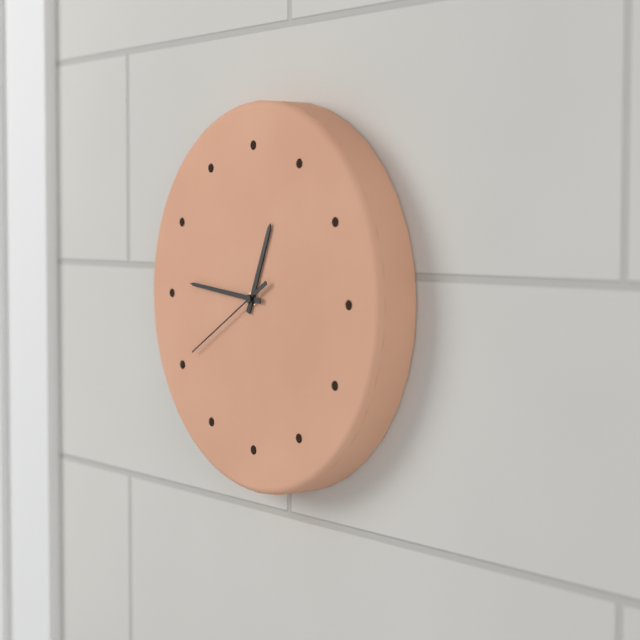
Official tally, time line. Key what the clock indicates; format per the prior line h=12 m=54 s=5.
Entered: h=12 m=46 s=40
